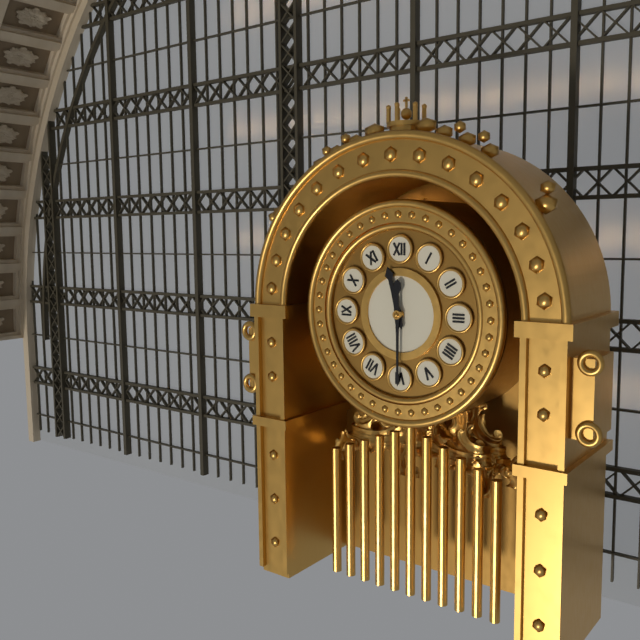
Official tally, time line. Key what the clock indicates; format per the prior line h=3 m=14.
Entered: h=11 m=30
